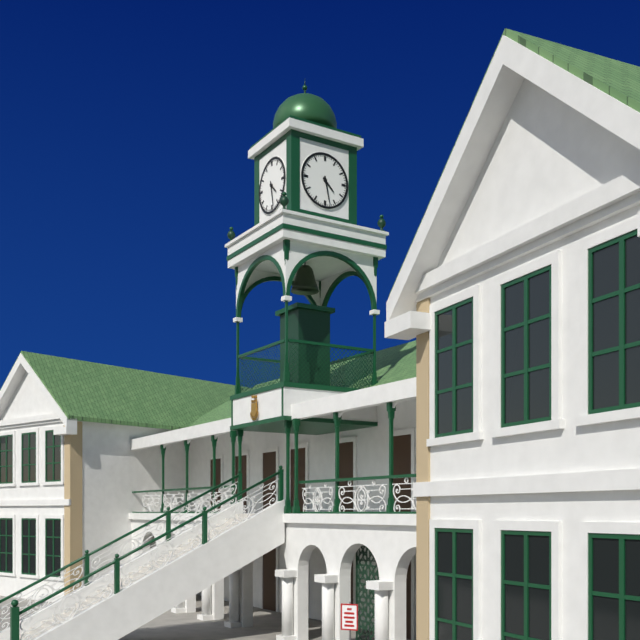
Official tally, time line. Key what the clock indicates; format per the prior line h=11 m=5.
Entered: h=4 m=28
